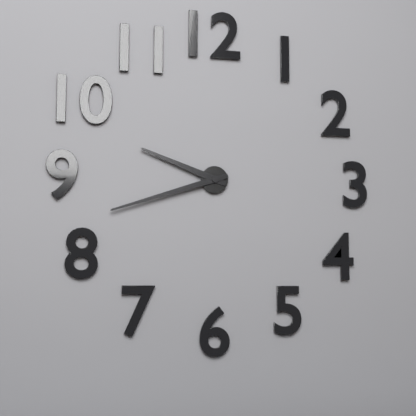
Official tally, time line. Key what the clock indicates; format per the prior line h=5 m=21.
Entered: h=9 m=42
